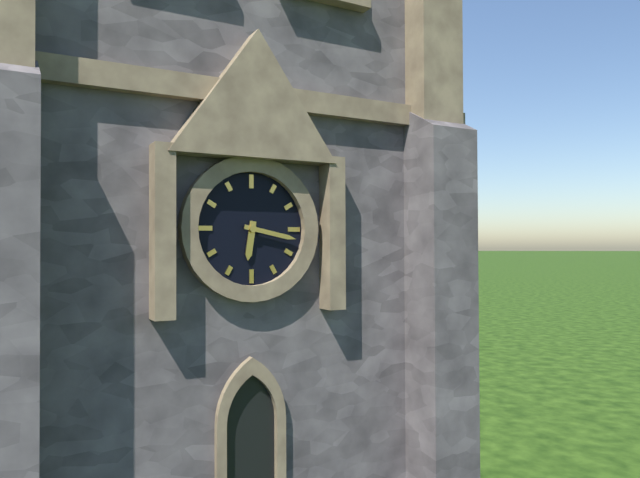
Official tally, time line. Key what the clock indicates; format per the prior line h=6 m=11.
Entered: h=6 m=17
